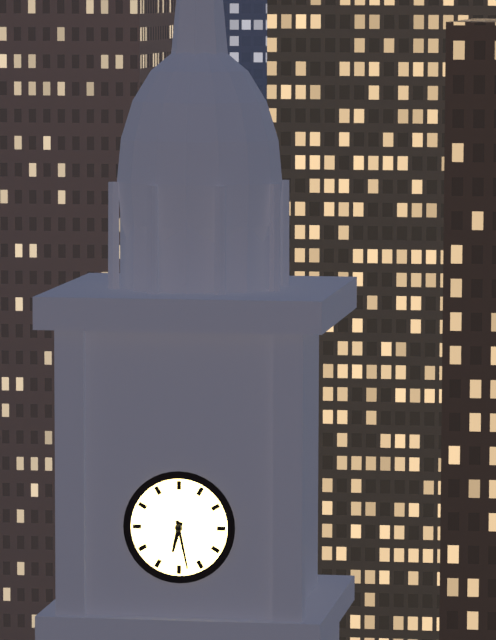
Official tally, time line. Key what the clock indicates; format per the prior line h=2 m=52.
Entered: h=6 m=28
